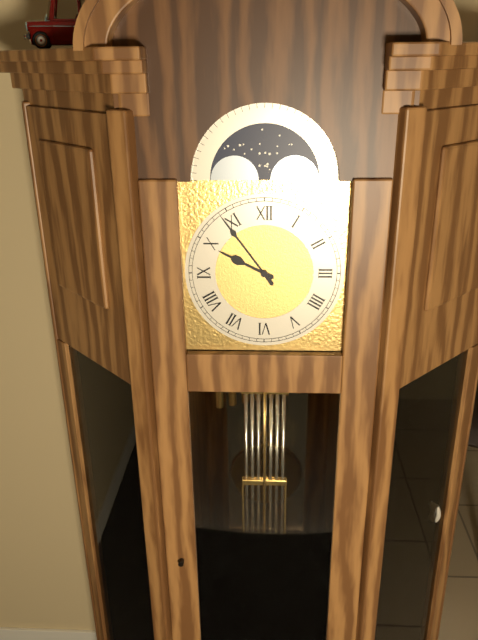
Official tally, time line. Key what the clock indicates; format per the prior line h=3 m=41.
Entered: h=9 m=54
